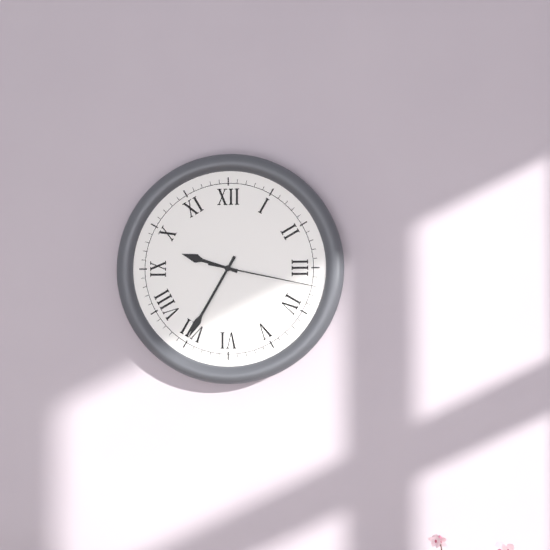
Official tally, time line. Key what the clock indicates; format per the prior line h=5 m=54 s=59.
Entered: h=9 m=35 s=17
